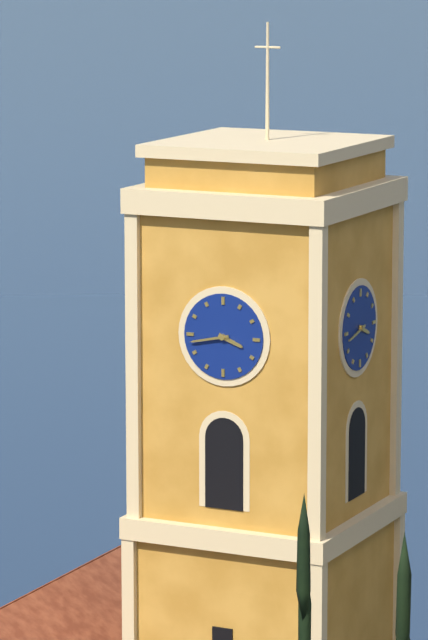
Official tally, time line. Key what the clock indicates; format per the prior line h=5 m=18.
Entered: h=3 m=43
